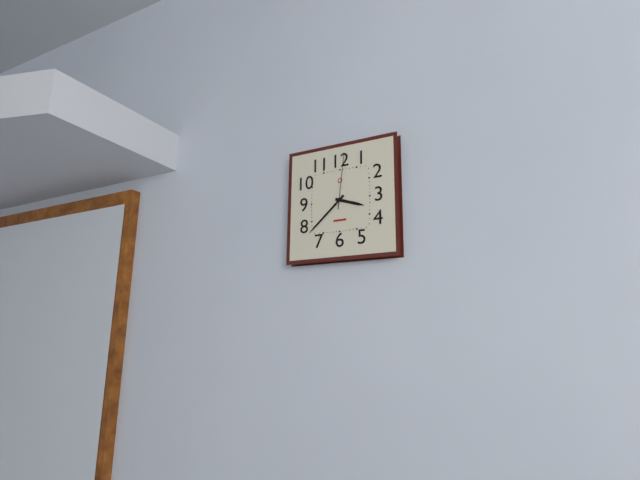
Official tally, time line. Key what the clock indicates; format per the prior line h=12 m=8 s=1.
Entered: h=3 m=38 s=1
